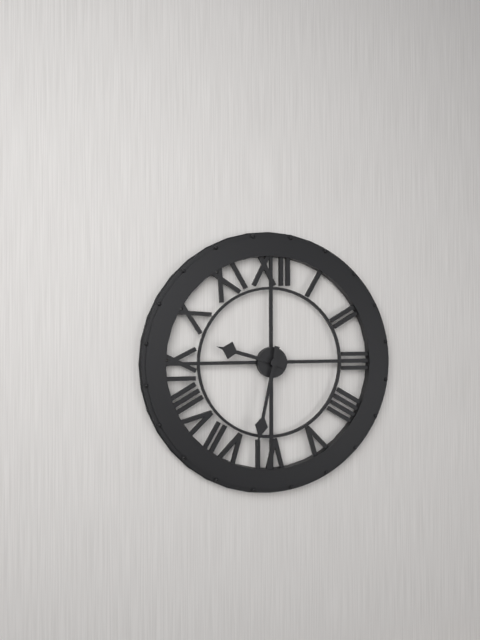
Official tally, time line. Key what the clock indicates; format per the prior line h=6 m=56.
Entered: h=9 m=32
